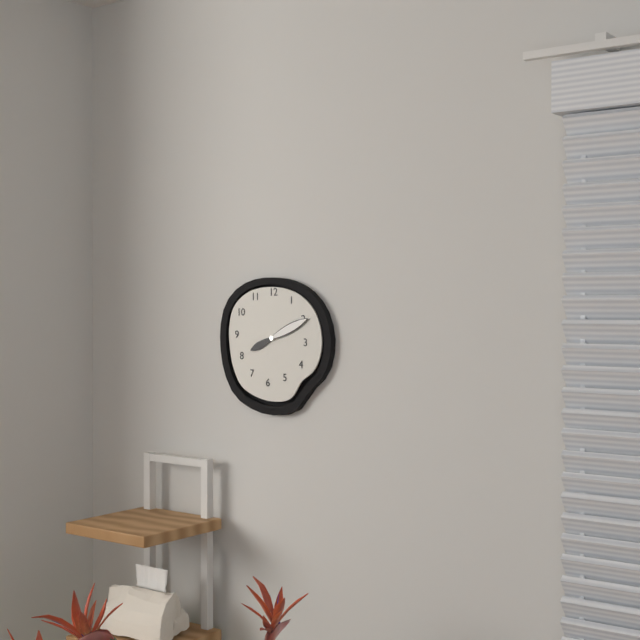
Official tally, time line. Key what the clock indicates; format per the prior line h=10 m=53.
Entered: h=8 m=11
